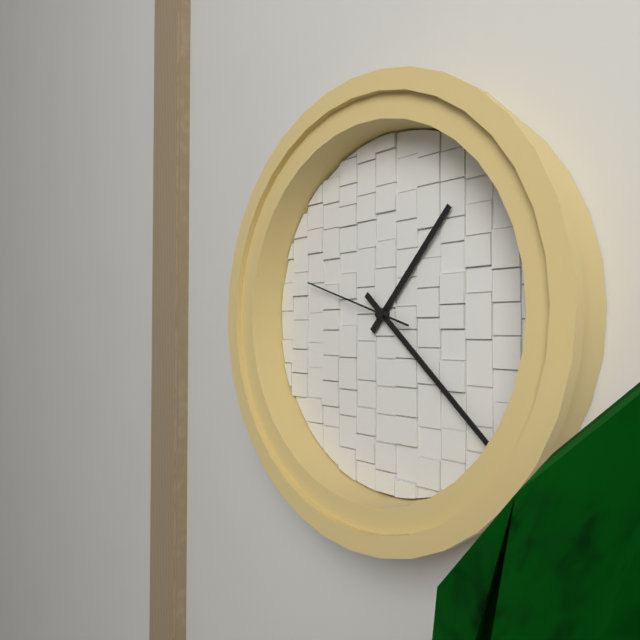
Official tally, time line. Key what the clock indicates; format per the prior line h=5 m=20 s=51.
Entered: h=1 m=22 s=48
